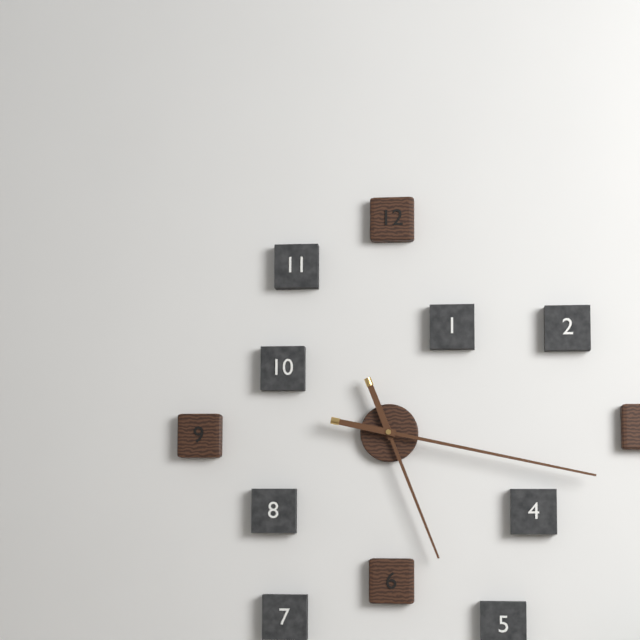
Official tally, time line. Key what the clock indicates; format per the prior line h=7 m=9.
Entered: h=5 m=17
